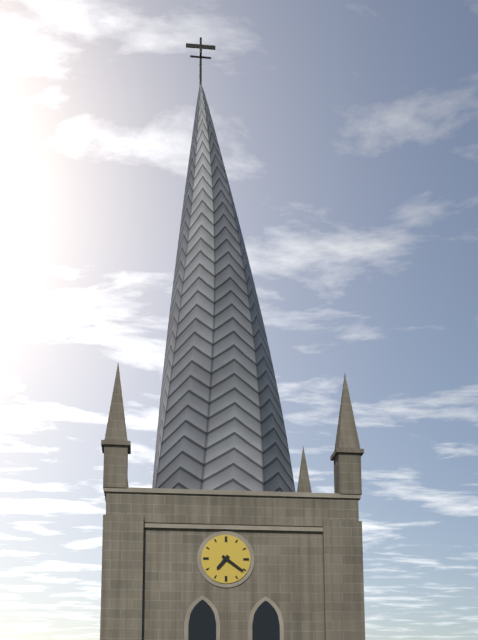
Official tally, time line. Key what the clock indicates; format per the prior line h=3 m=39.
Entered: h=7 m=21
